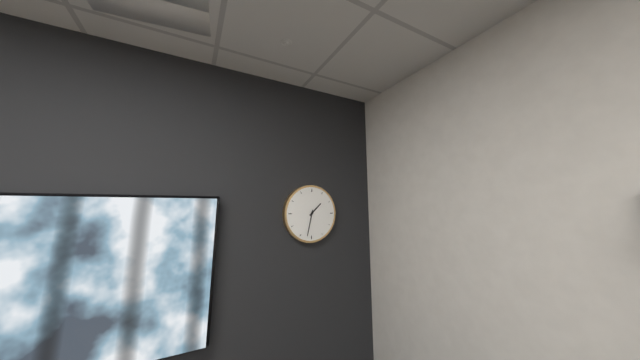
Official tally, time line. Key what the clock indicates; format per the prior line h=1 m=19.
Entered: h=1 m=32
